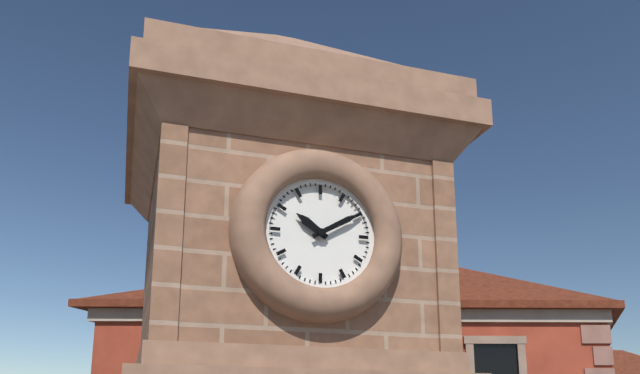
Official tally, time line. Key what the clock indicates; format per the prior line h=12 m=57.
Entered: h=10 m=10
